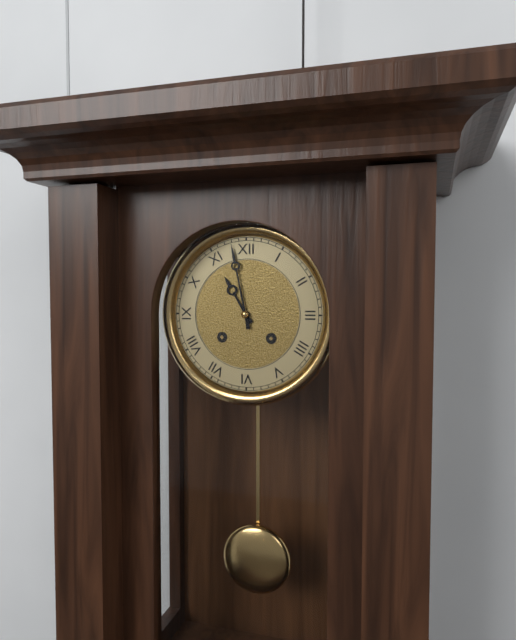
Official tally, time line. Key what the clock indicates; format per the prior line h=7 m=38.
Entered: h=10 m=58
